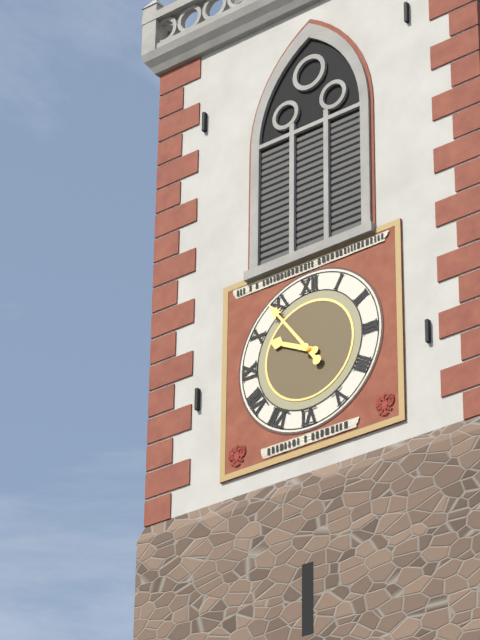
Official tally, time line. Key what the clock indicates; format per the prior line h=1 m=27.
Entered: h=9 m=54
